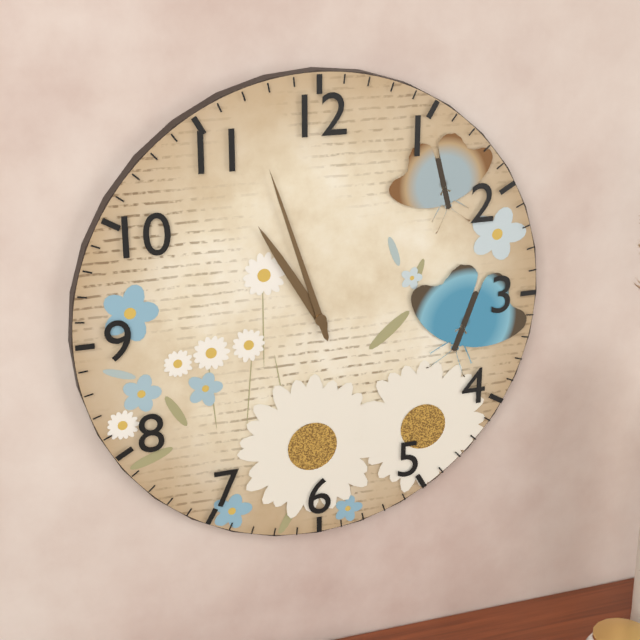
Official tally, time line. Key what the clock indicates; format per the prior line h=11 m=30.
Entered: h=10 m=57
